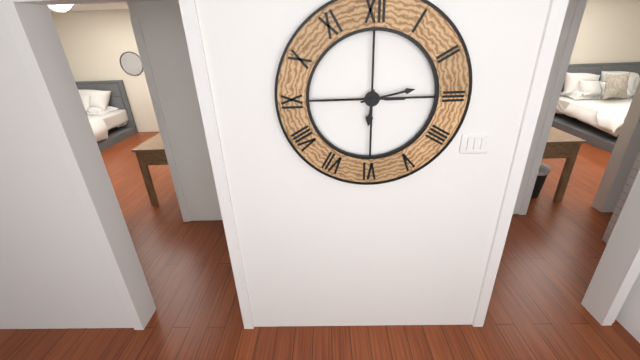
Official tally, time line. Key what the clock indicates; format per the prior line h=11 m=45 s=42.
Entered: h=6 m=13 s=45
